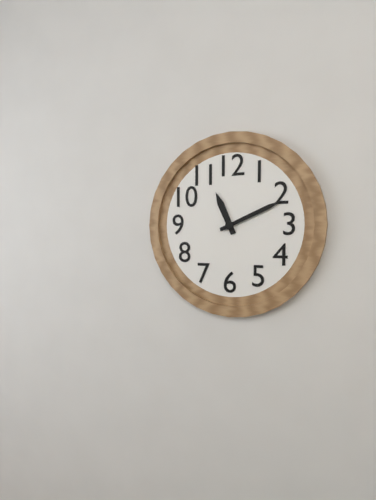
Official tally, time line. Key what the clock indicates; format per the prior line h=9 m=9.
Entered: h=11 m=11
